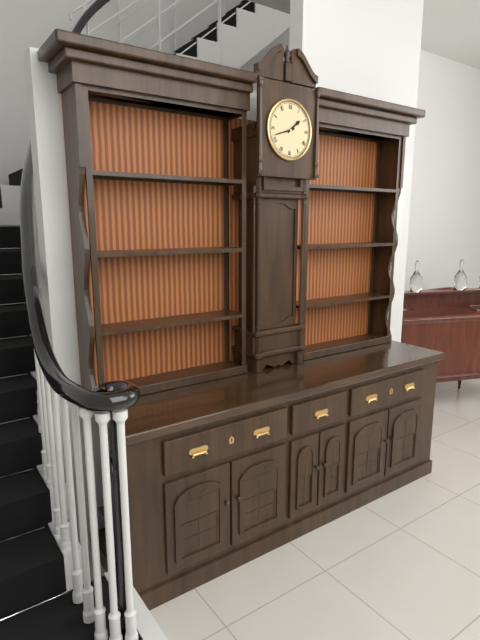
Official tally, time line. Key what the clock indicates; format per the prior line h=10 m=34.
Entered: h=1 m=42
